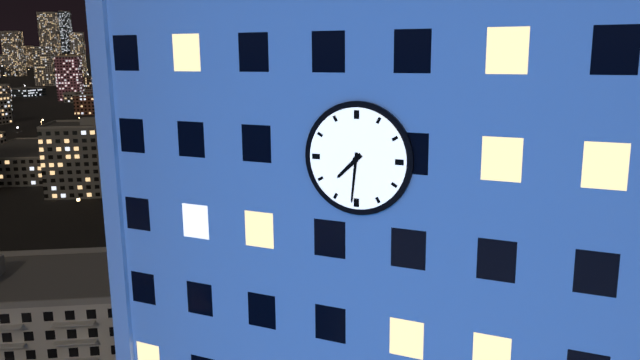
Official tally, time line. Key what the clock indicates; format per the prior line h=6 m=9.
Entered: h=7 m=31
